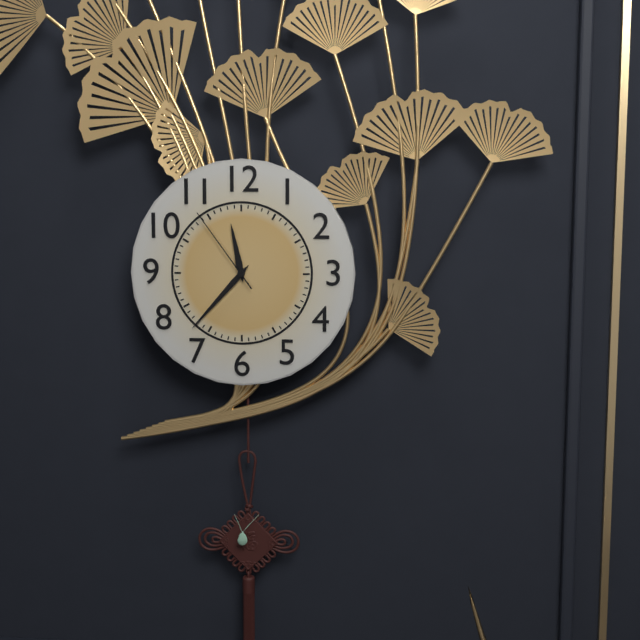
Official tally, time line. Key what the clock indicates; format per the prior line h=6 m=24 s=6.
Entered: h=11 m=37 s=54
